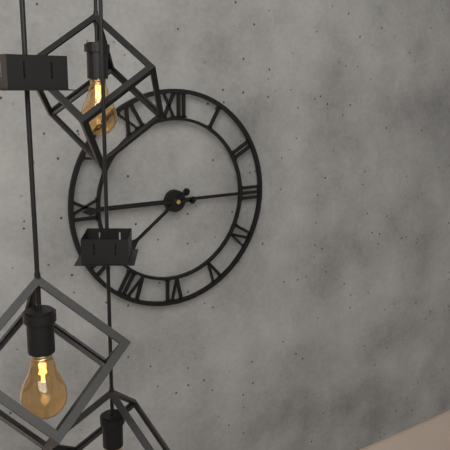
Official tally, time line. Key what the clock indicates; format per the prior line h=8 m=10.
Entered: h=7 m=45
